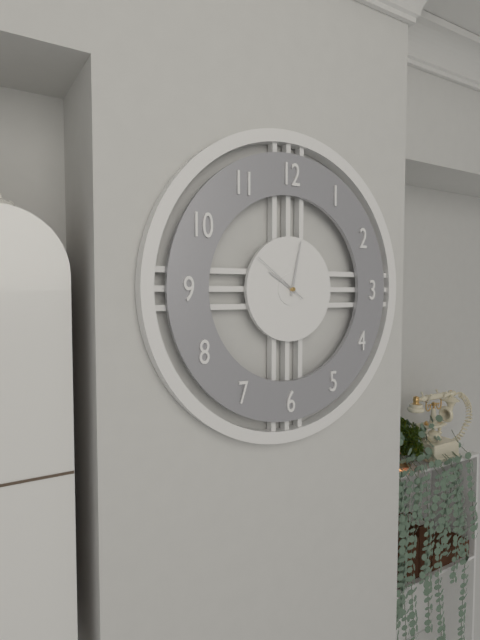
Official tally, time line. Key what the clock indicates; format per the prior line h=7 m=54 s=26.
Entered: h=10 m=2 s=51
